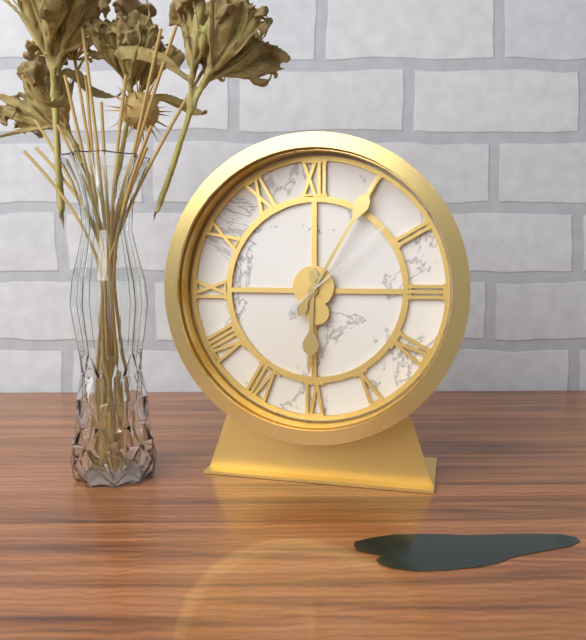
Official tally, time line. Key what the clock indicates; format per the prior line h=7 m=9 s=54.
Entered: h=6 m=5 s=8
